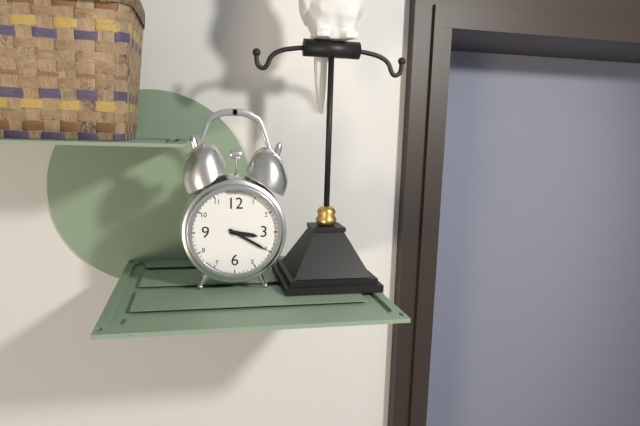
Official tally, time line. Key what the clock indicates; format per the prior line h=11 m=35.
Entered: h=3 m=20
